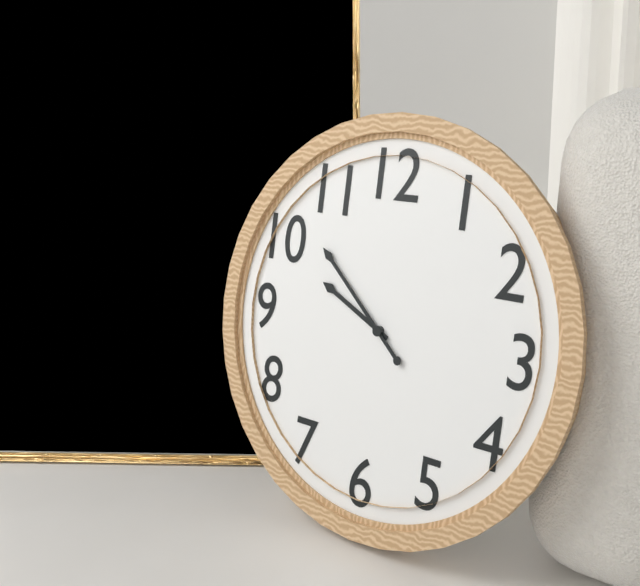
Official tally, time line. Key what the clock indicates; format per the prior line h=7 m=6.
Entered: h=9 m=52
